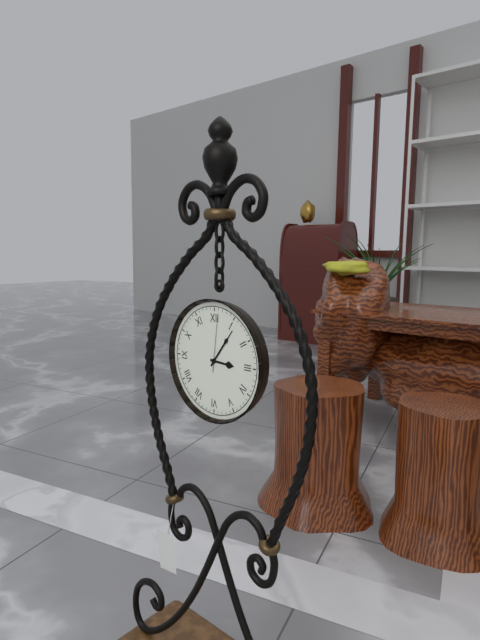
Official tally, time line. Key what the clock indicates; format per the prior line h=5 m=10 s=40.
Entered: h=3 m=6 s=1
